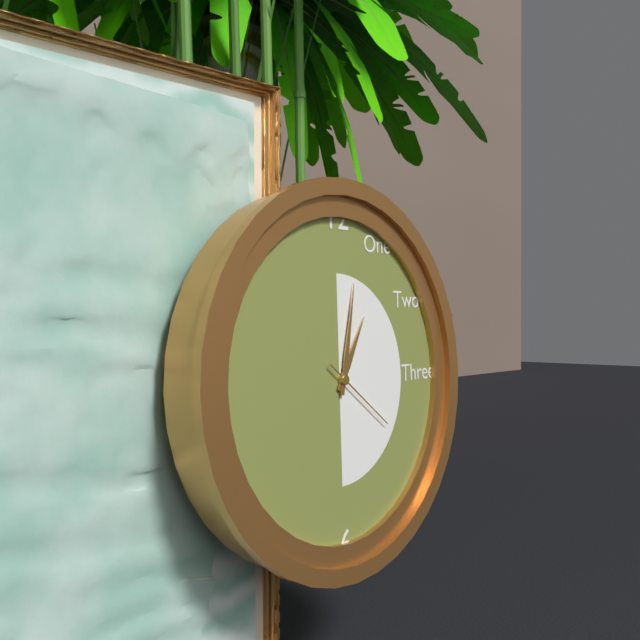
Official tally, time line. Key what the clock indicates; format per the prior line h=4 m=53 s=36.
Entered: h=1 m=2 s=21
